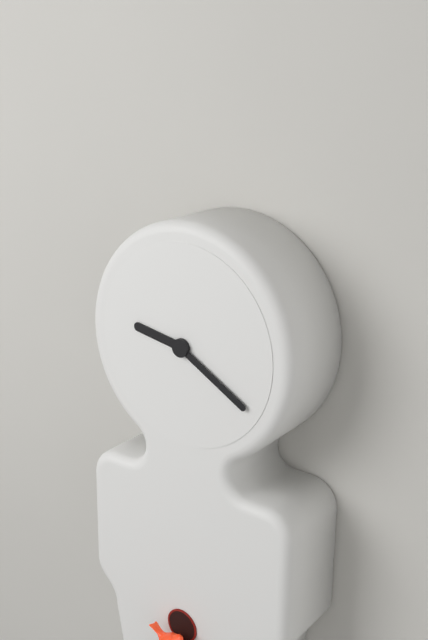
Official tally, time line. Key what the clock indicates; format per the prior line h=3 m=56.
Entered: h=9 m=20
